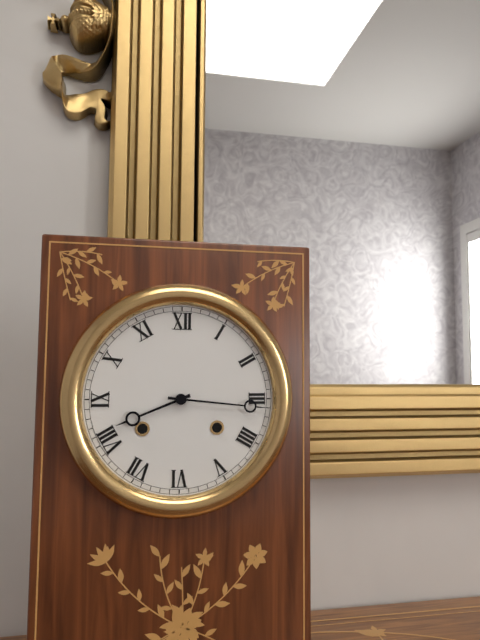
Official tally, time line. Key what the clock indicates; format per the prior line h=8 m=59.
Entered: h=8 m=16
